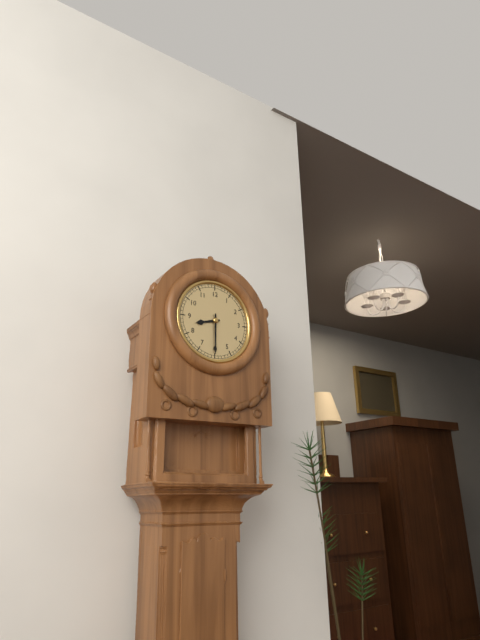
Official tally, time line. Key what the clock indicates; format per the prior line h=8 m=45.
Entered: h=8 m=30
